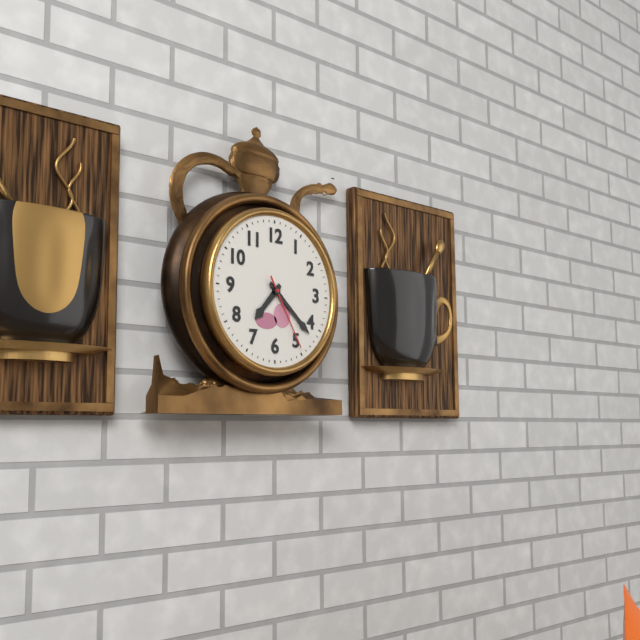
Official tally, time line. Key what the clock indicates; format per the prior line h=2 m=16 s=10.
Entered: h=7 m=22 s=25
